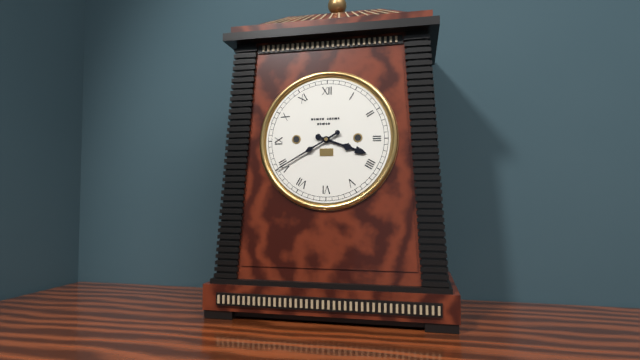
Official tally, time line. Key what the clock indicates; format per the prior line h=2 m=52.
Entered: h=3 m=40
